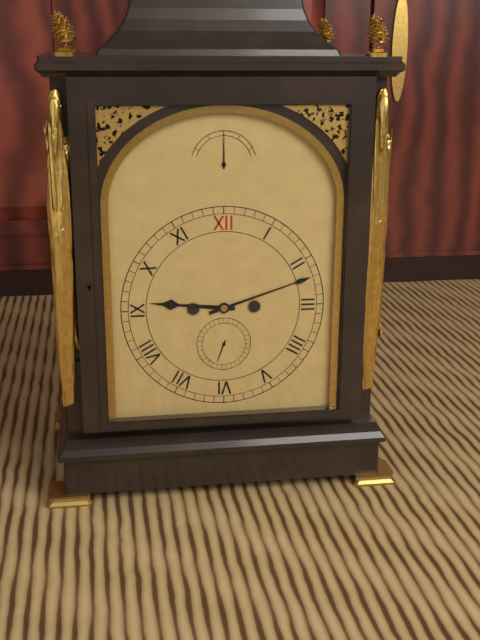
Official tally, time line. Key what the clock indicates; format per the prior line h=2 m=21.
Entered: h=9 m=12
